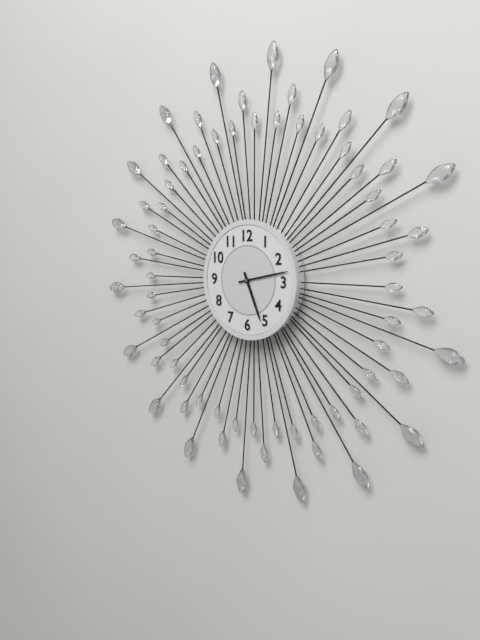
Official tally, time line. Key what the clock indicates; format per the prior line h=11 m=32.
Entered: h=5 m=13
